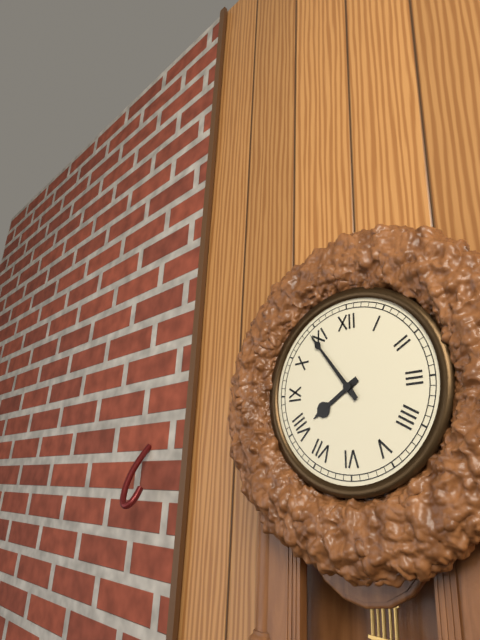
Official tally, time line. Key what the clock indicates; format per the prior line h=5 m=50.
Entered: h=7 m=54
